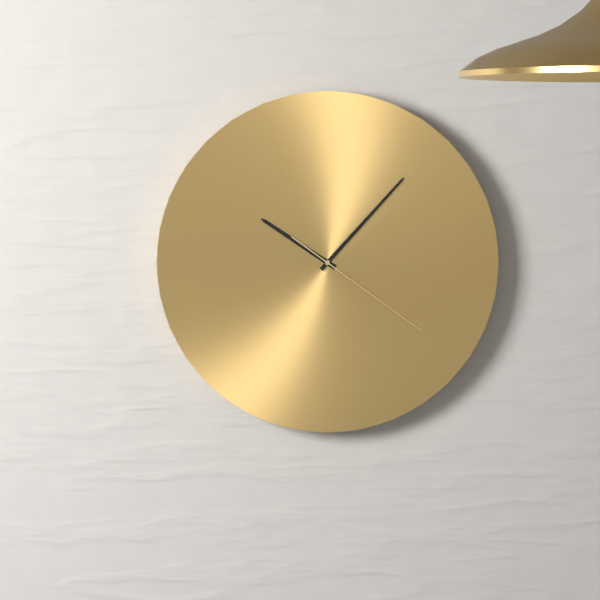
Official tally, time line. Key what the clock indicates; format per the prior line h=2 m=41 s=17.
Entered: h=10 m=7 s=21
